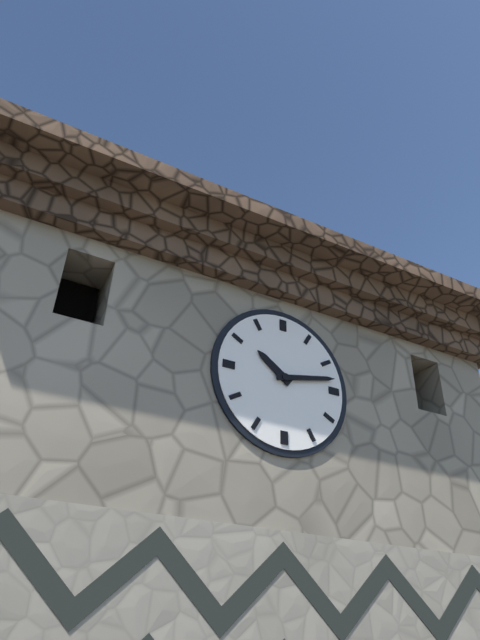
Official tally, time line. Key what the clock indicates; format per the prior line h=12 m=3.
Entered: h=10 m=13
